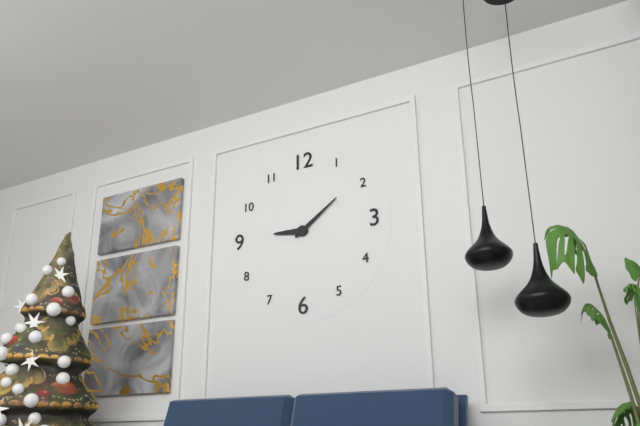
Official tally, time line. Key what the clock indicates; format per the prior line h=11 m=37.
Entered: h=9 m=9
